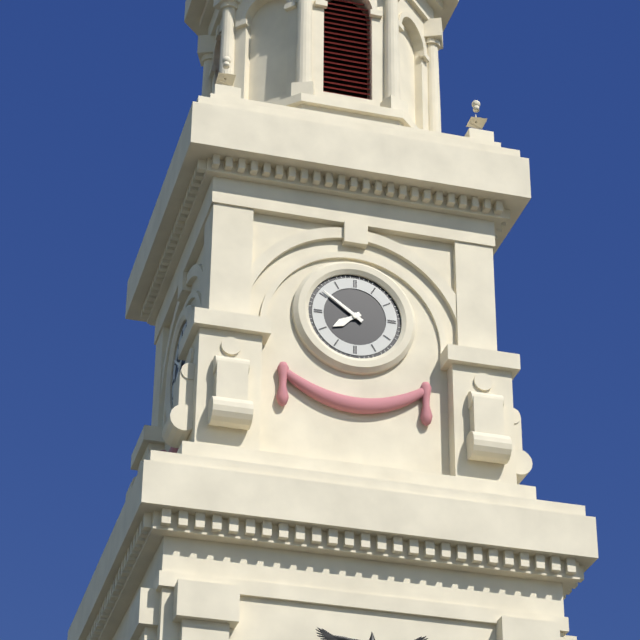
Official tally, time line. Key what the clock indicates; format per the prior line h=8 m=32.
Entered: h=7 m=51
